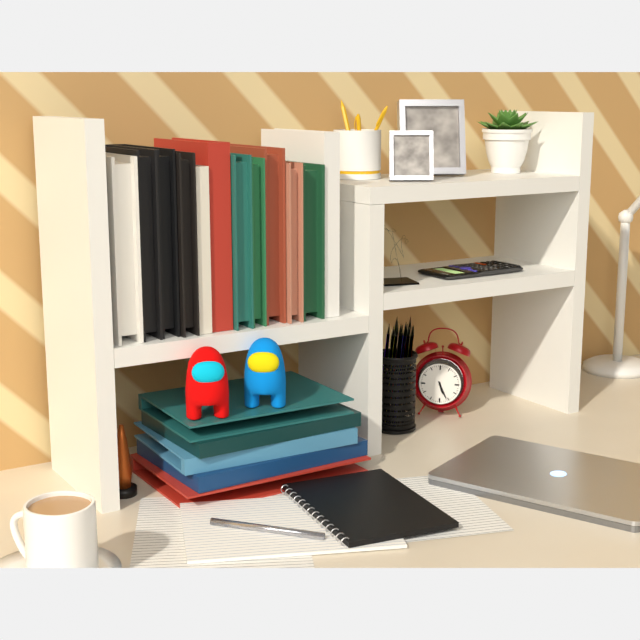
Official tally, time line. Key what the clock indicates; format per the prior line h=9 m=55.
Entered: h=5 m=26
